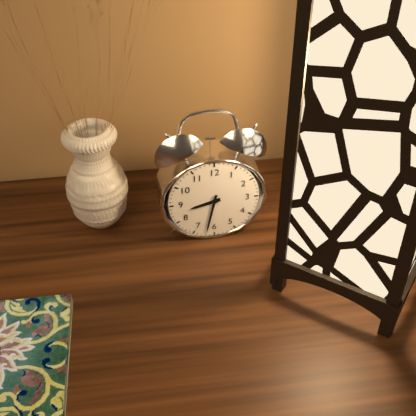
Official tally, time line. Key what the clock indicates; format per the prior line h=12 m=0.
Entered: h=8 m=32
